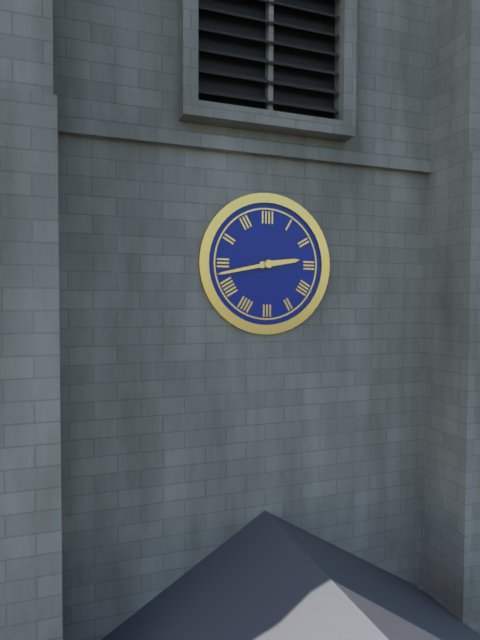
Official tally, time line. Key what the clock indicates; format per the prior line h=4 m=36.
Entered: h=2 m=43
